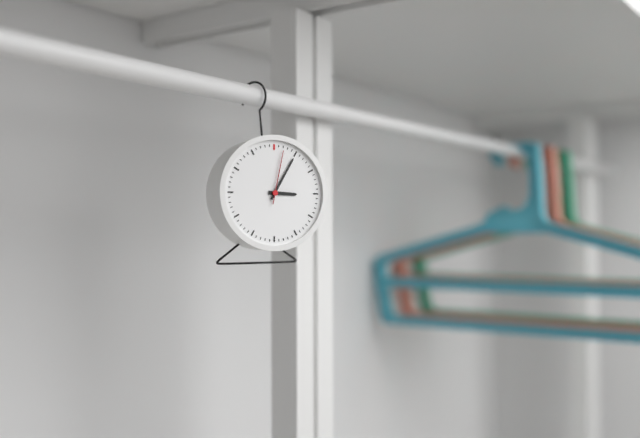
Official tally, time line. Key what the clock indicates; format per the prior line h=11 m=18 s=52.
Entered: h=3 m=5 s=2
